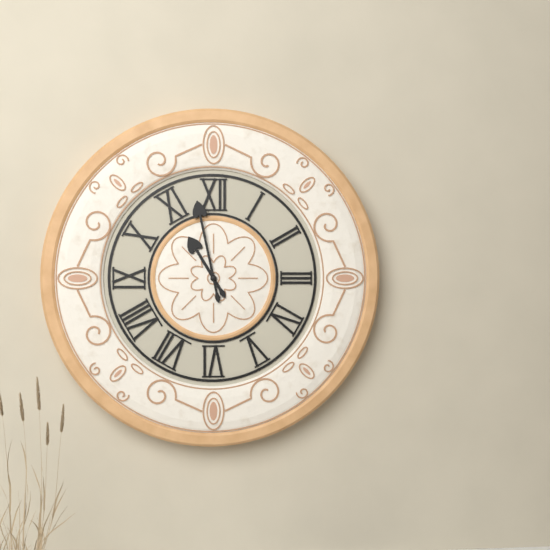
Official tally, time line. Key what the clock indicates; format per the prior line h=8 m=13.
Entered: h=10 m=58
